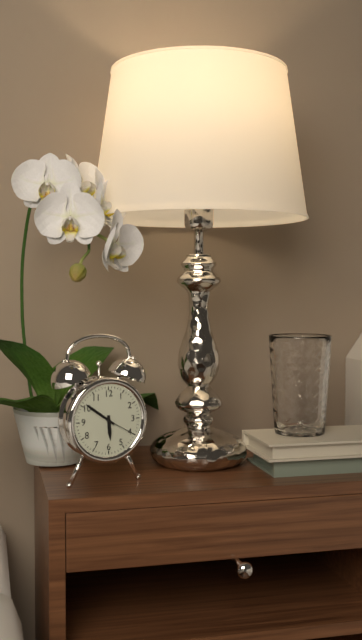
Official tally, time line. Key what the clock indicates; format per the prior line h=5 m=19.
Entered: h=5 m=51
